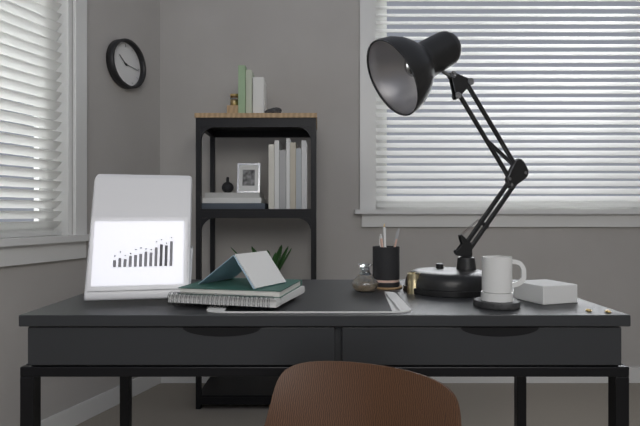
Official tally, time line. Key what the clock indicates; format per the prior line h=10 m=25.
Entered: h=10 m=16
